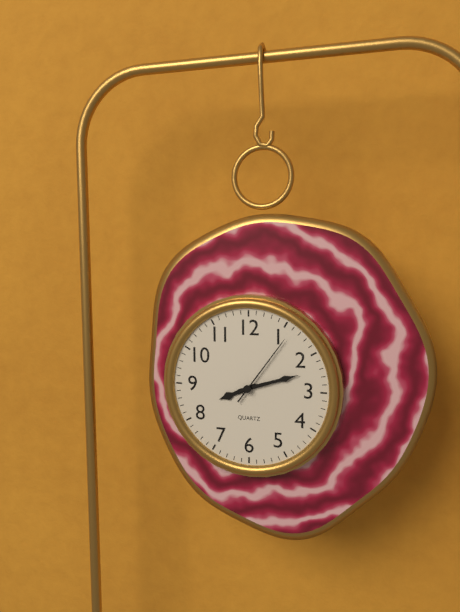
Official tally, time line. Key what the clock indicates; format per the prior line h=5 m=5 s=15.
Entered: h=8 m=12 s=6
